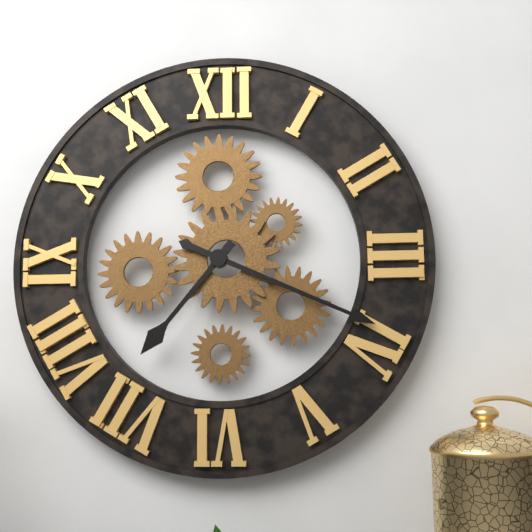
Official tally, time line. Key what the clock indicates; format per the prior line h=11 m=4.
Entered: h=7 m=19
